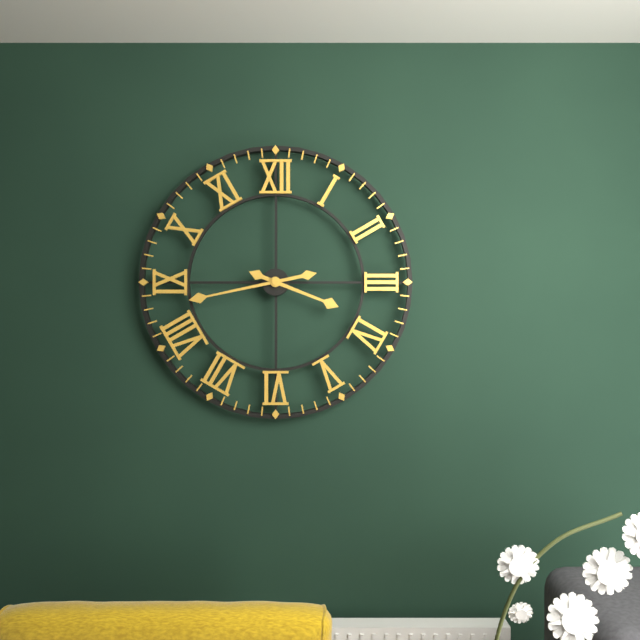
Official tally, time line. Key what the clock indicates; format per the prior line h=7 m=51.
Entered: h=3 m=43
